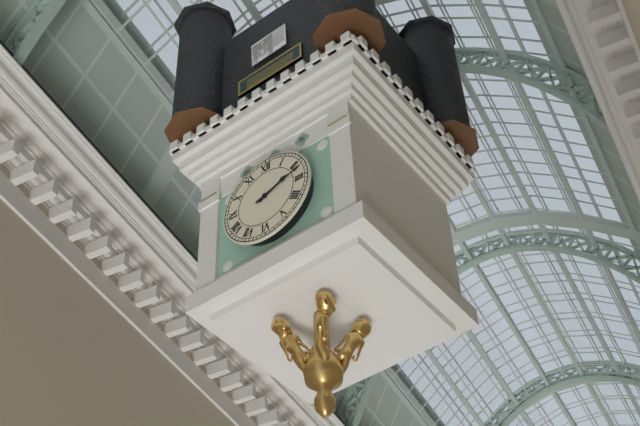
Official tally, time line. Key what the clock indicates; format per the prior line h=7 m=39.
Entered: h=2 m=12
